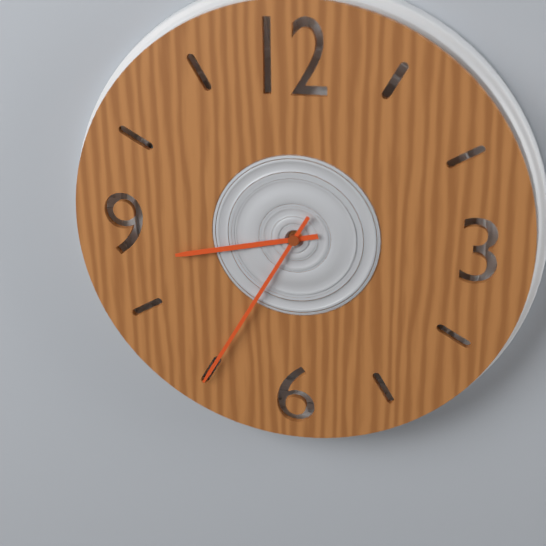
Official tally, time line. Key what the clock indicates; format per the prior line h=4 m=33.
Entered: h=8 m=35
